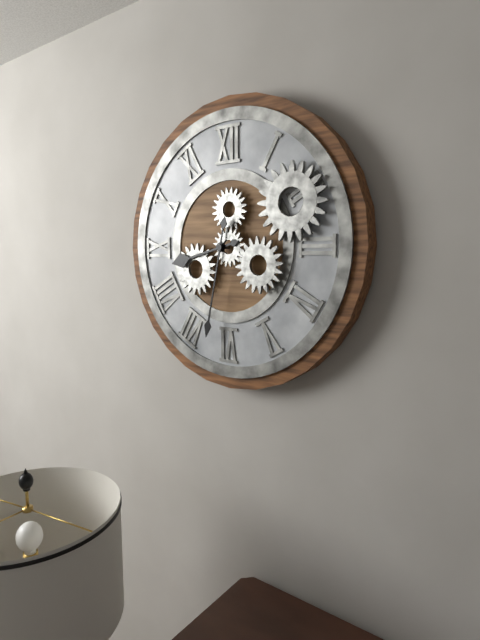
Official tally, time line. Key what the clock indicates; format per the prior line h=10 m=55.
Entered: h=8 m=32
